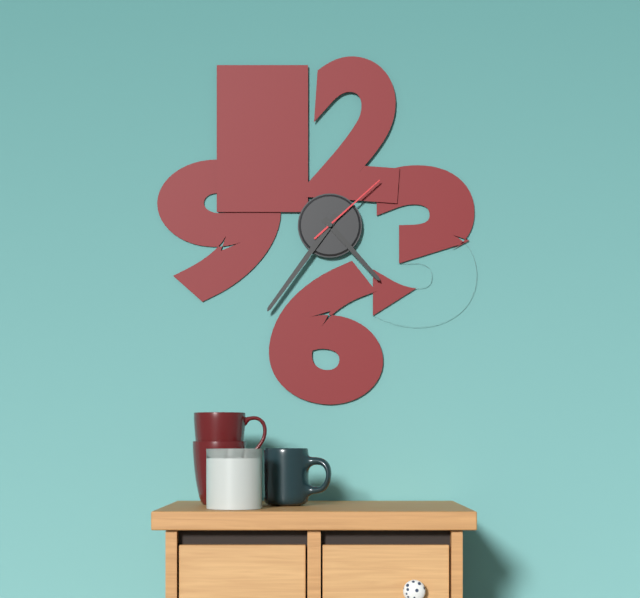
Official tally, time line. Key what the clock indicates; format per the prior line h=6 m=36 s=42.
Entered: h=4 m=36 s=8
